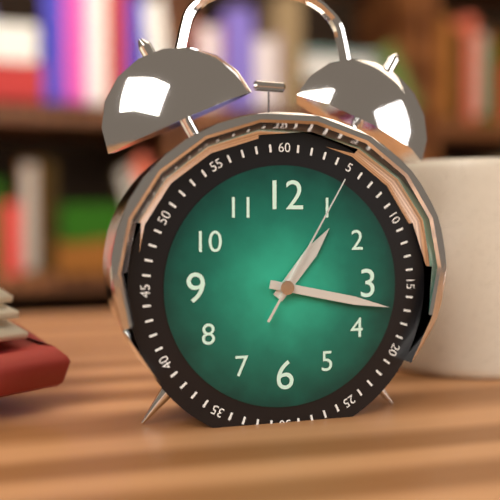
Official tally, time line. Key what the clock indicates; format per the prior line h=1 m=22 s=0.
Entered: h=1 m=17 s=5
